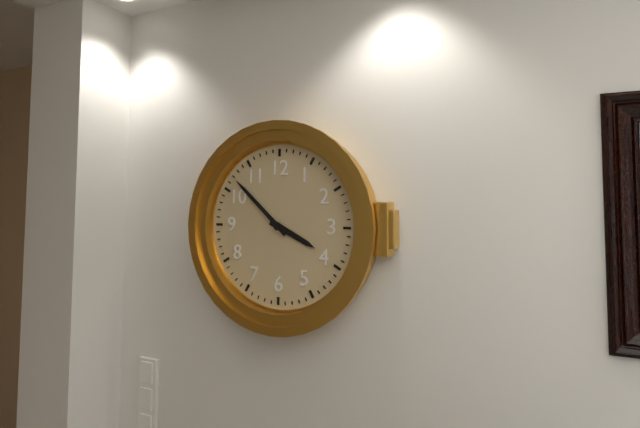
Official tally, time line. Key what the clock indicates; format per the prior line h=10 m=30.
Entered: h=3 m=52
